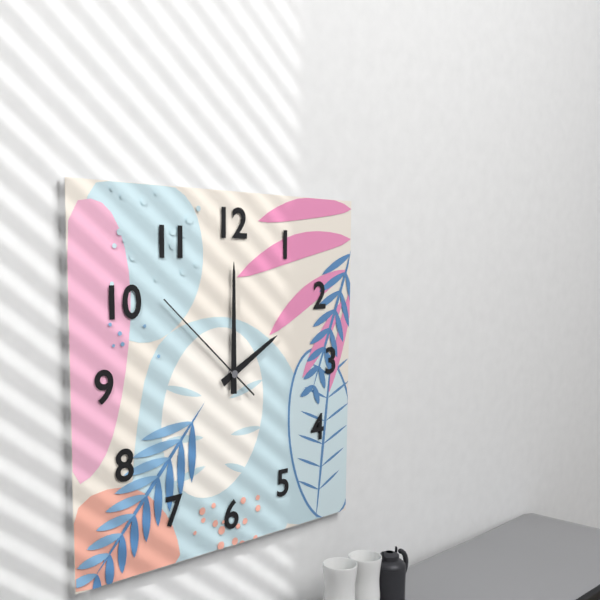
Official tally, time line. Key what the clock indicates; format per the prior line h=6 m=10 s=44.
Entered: h=2 m=0 s=52
